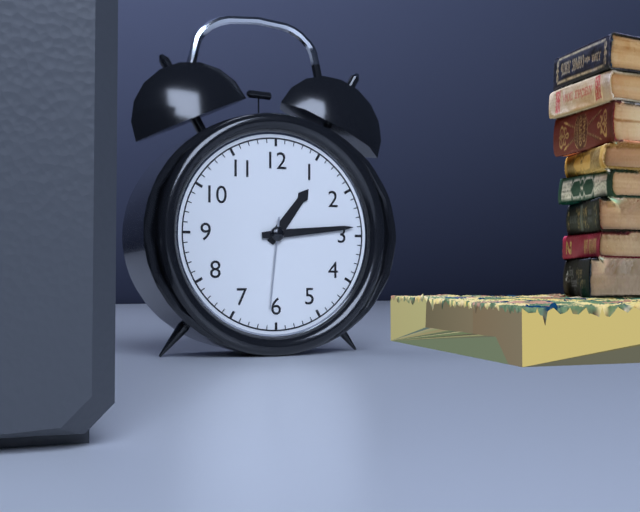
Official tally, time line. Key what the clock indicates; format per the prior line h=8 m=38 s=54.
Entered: h=1 m=14 s=31
